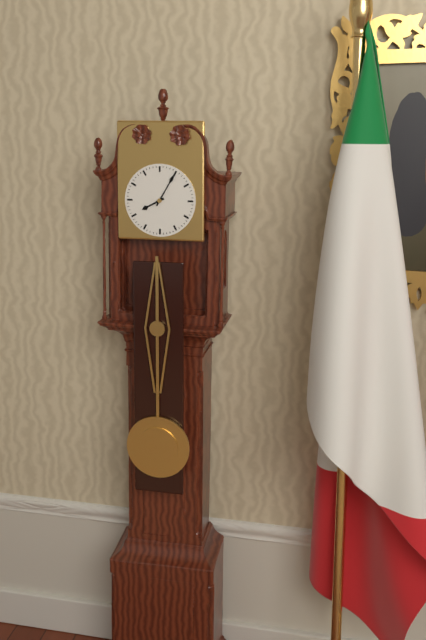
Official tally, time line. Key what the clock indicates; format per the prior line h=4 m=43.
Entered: h=8 m=5
